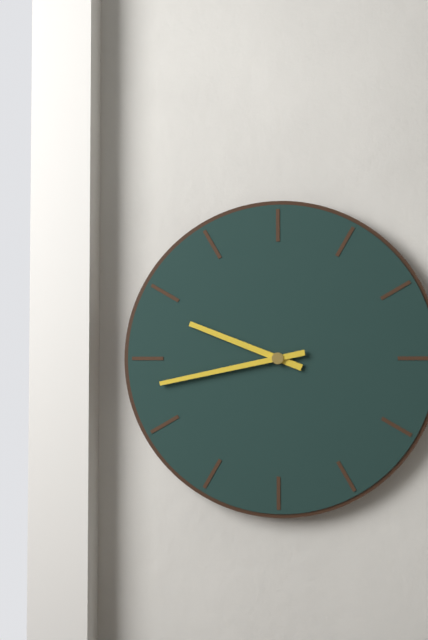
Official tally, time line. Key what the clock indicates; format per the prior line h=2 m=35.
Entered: h=9 m=43
